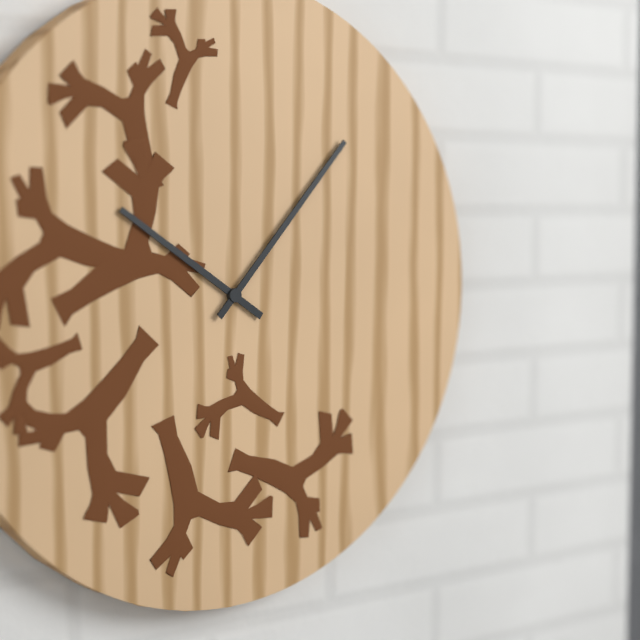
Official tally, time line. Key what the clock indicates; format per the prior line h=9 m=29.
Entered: h=10 m=7
